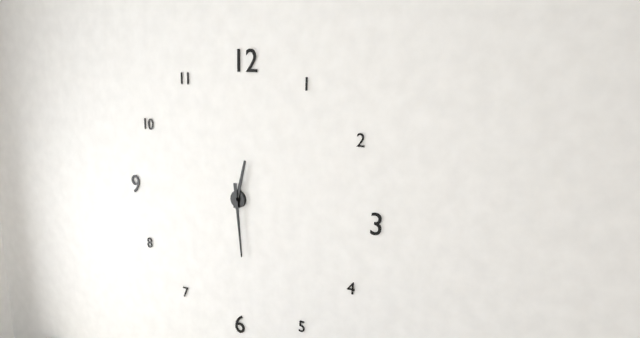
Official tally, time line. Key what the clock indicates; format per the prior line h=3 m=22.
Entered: h=12 m=29
